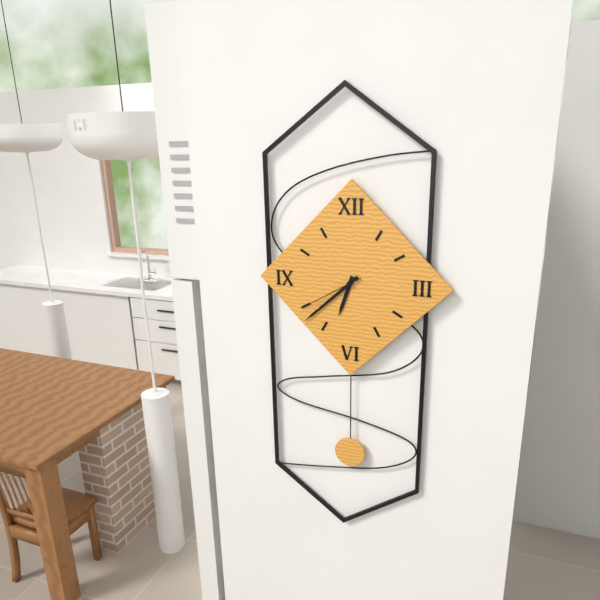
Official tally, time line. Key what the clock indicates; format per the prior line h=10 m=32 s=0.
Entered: h=6 m=38 s=40
